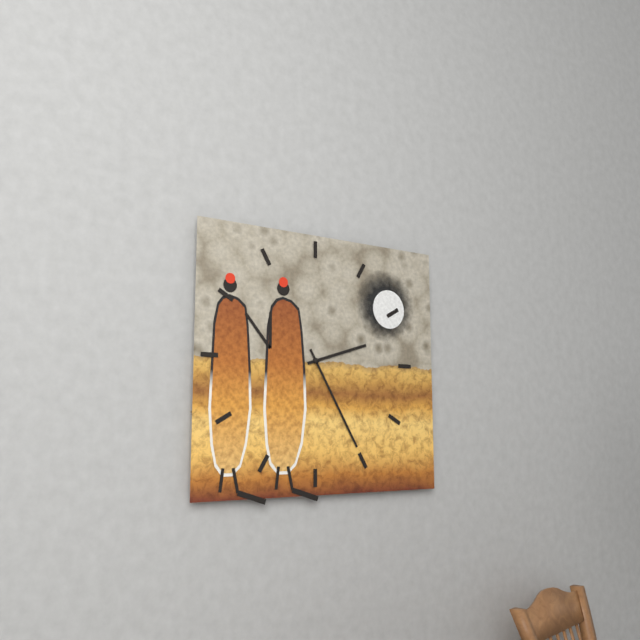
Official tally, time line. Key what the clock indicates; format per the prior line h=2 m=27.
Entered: h=2 m=25
